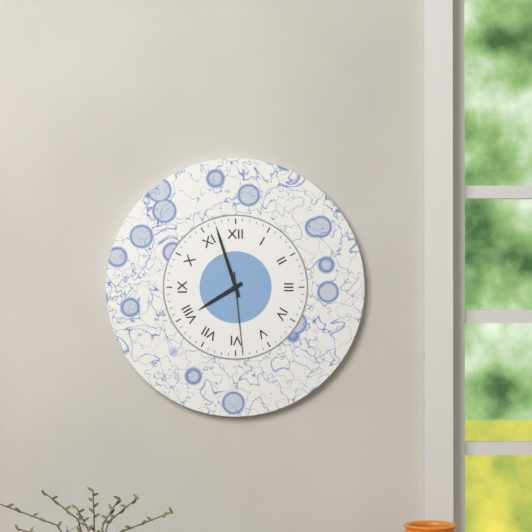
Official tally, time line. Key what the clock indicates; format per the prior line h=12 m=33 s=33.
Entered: h=7 m=57 s=29
